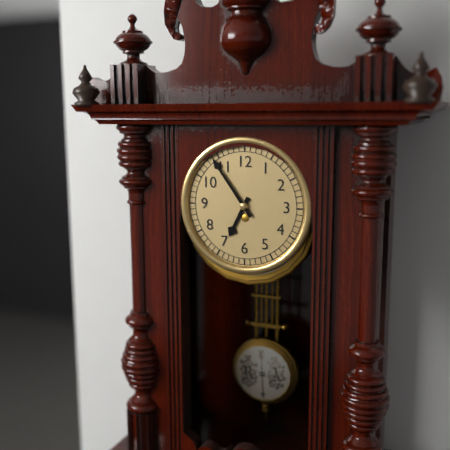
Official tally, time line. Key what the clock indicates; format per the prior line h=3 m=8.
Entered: h=6 m=54
